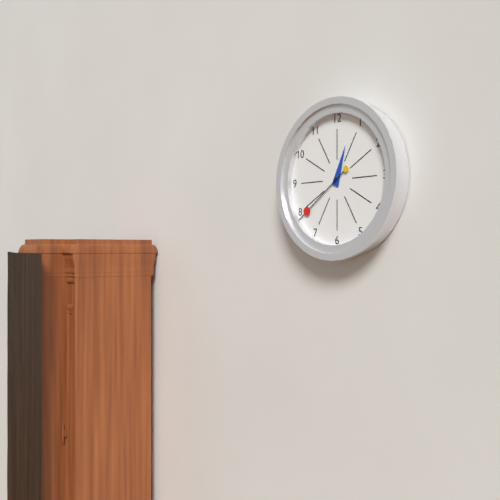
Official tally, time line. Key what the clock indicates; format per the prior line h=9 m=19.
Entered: h=12 m=39
